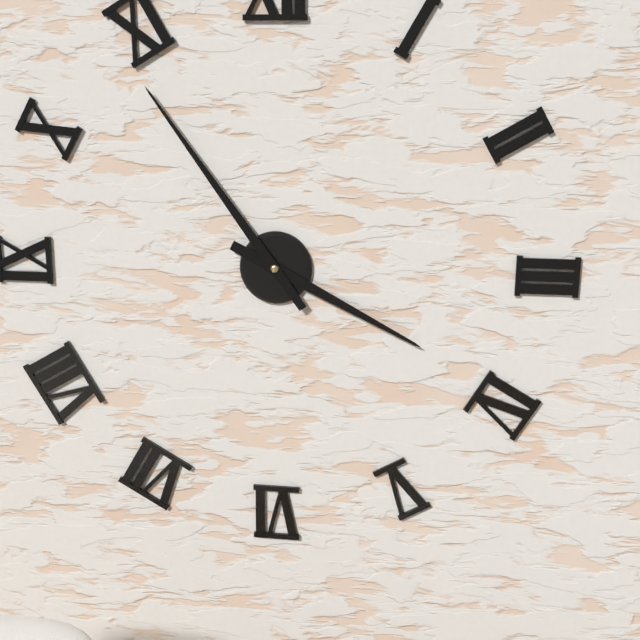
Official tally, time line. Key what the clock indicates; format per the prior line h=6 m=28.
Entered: h=3 m=54
